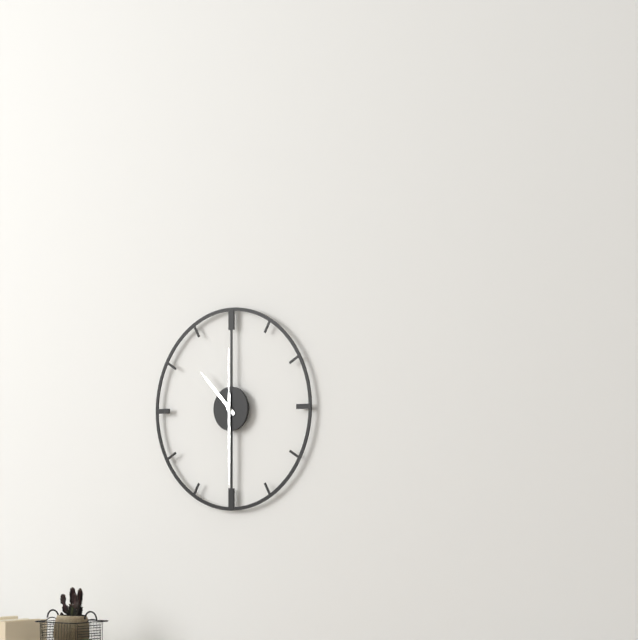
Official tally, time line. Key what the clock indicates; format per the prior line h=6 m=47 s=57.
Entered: h=10 m=30 s=0
